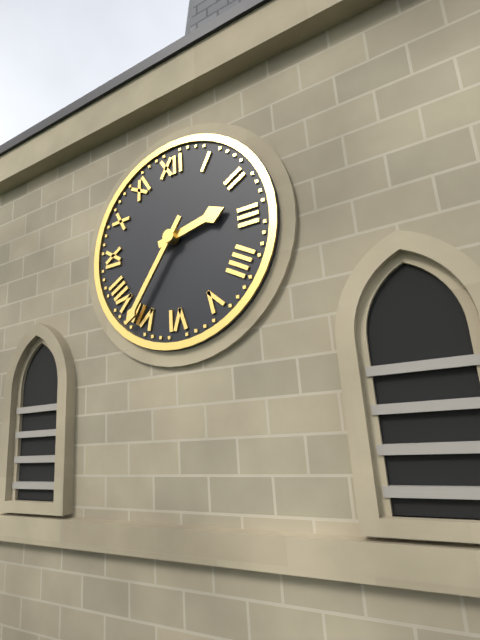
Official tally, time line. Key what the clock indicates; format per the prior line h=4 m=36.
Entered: h=2 m=36
